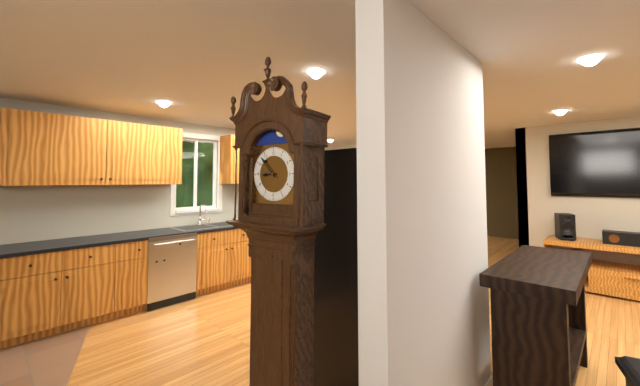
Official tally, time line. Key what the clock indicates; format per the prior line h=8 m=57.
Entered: h=8 m=53
